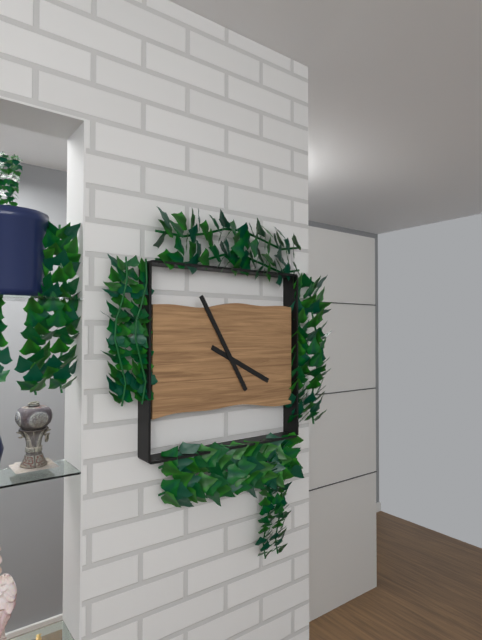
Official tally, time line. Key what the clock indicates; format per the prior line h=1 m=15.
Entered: h=3 m=55
